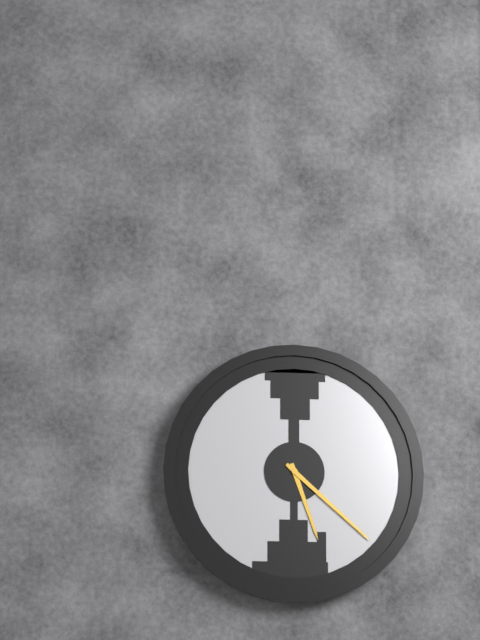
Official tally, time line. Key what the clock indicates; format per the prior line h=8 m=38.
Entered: h=5 m=22
